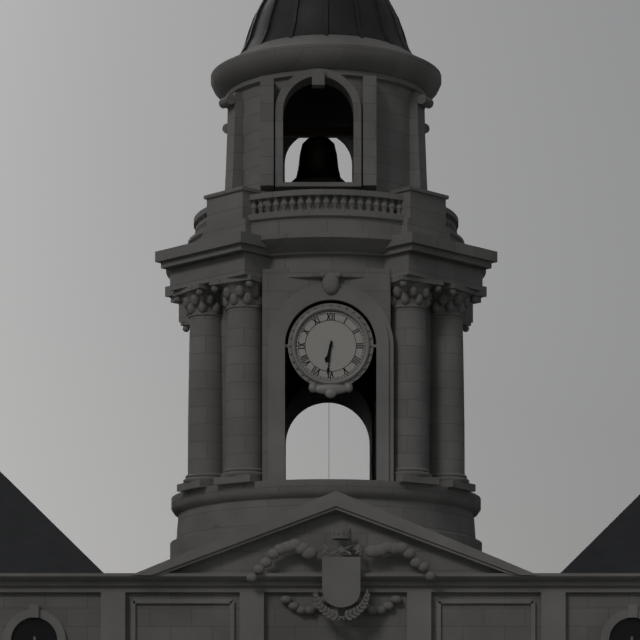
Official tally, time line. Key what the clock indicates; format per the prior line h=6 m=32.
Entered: h=6 m=31
